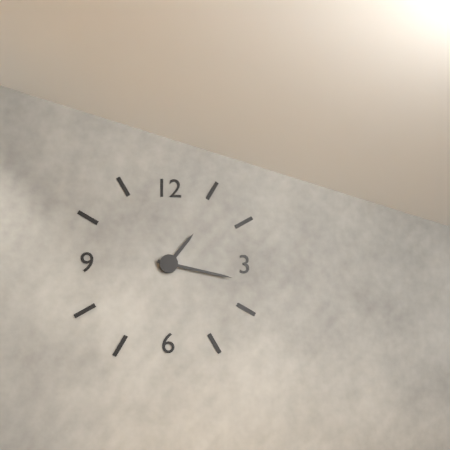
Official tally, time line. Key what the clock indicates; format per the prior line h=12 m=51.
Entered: h=1 m=17
